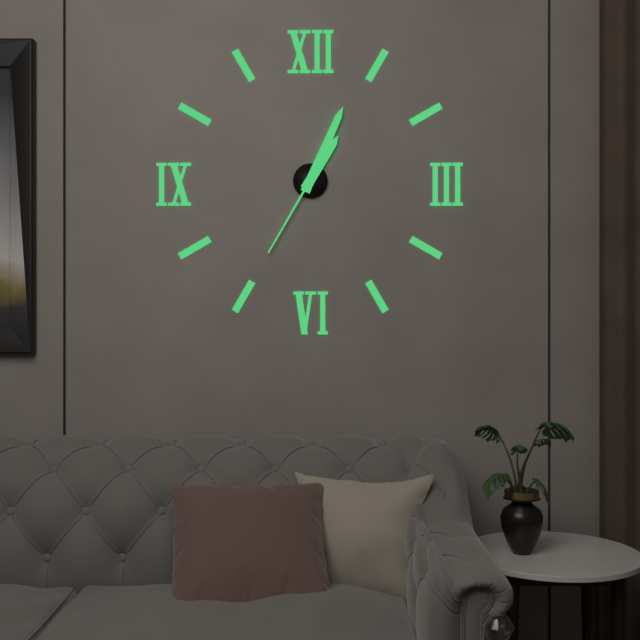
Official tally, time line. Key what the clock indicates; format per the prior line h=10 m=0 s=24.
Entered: h=1 m=4 s=35
